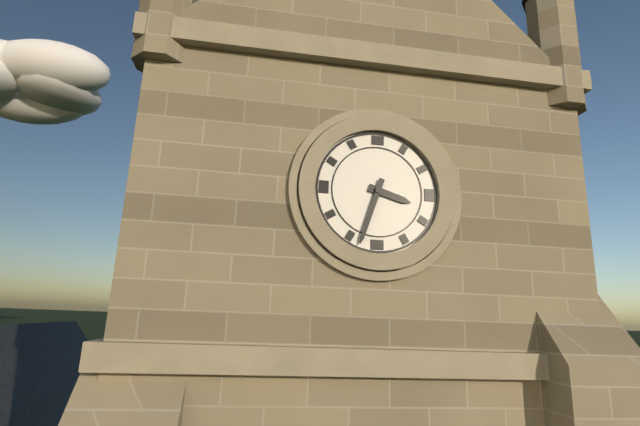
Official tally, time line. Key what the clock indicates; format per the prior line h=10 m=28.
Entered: h=3 m=33
